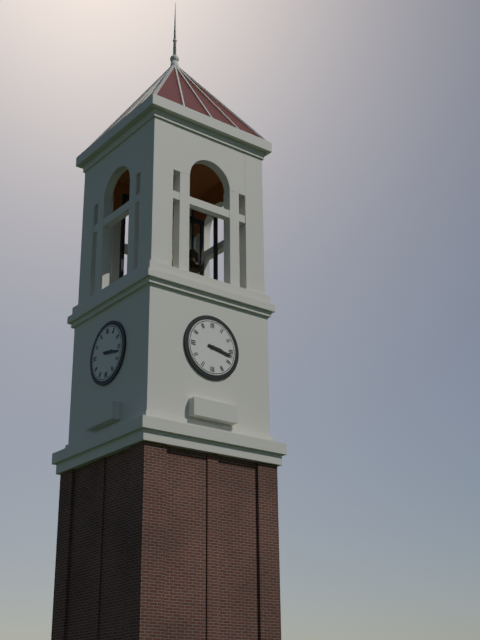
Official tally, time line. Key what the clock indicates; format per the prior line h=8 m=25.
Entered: h=3 m=17
